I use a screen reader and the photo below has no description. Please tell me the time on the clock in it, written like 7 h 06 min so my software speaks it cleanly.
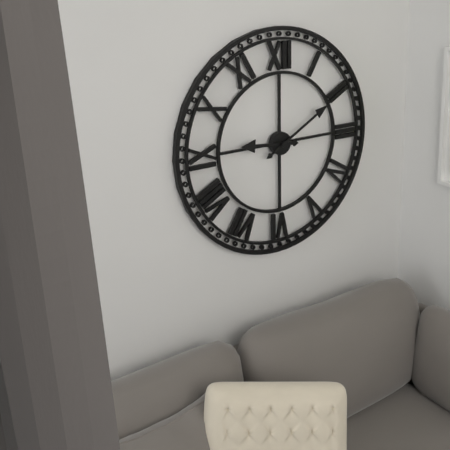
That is 9 h 10 min
